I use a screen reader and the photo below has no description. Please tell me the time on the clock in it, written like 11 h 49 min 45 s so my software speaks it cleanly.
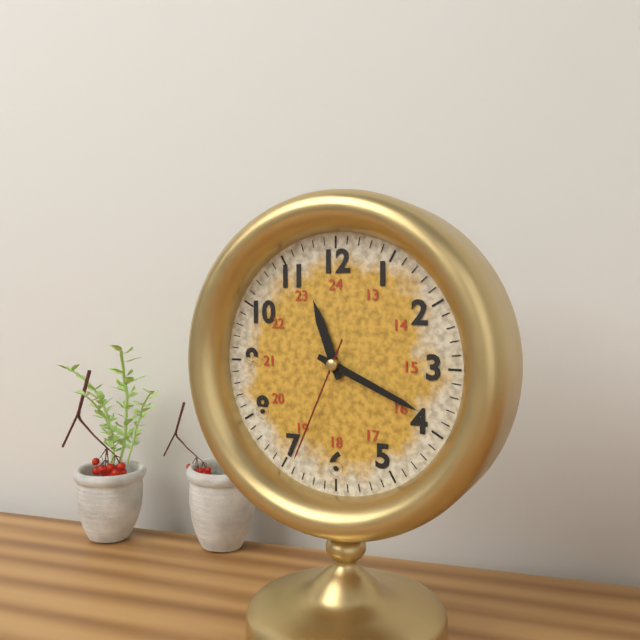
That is 11 h 19 min 34 s
